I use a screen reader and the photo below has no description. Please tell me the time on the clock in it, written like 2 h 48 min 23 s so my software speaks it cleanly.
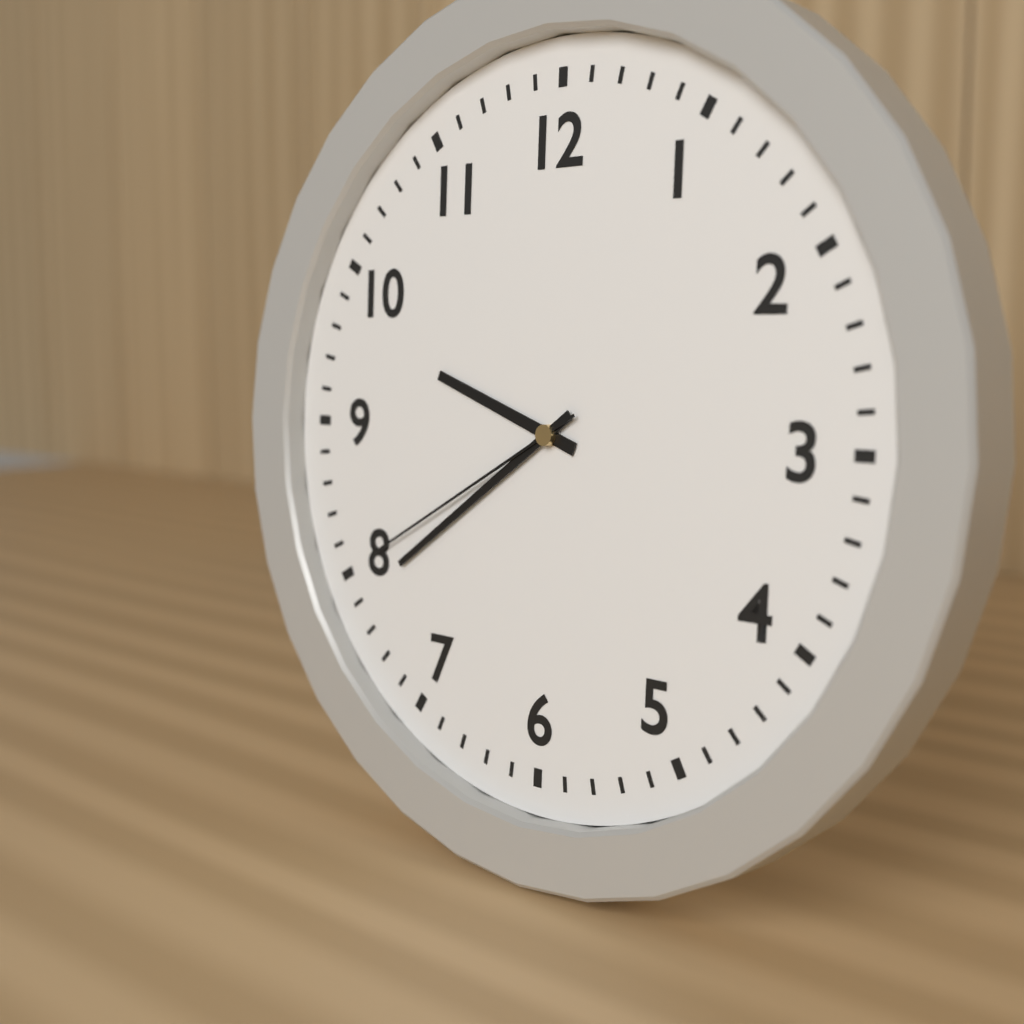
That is 9 h 39 min 40 s
